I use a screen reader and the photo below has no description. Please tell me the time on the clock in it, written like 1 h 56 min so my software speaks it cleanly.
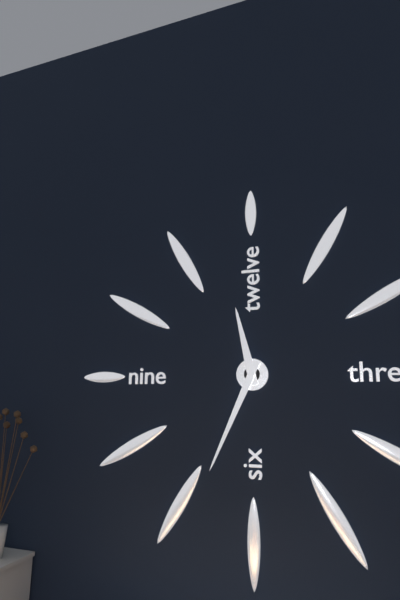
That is 11 h 34 min
